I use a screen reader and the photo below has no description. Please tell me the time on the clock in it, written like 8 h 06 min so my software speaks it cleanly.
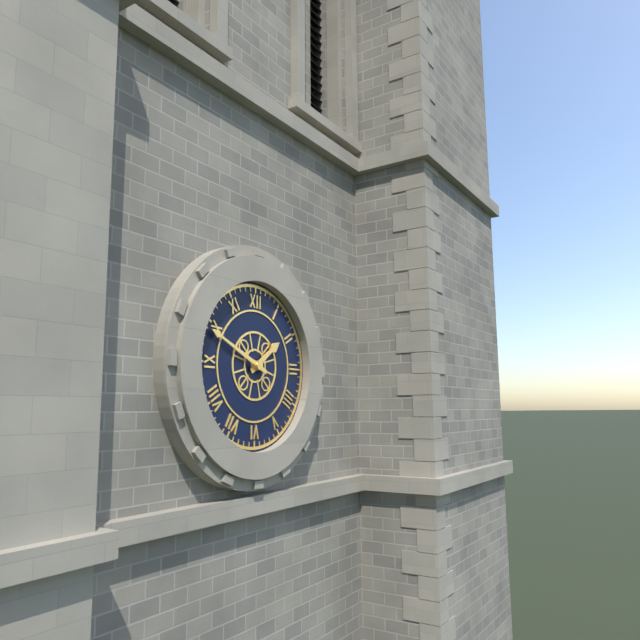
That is 1 h 49 min
